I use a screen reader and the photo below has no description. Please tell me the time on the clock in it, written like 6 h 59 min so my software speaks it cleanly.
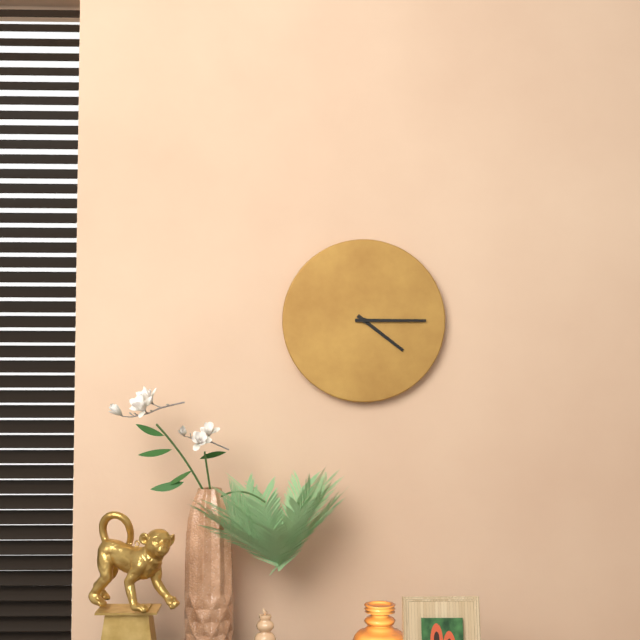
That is 4 h 15 min
